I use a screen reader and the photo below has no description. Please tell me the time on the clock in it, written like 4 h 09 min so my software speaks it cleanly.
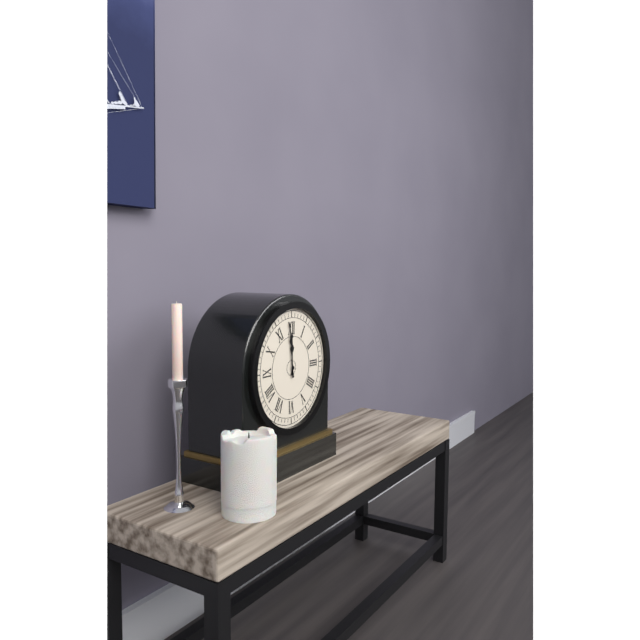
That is 11 h 59 min
